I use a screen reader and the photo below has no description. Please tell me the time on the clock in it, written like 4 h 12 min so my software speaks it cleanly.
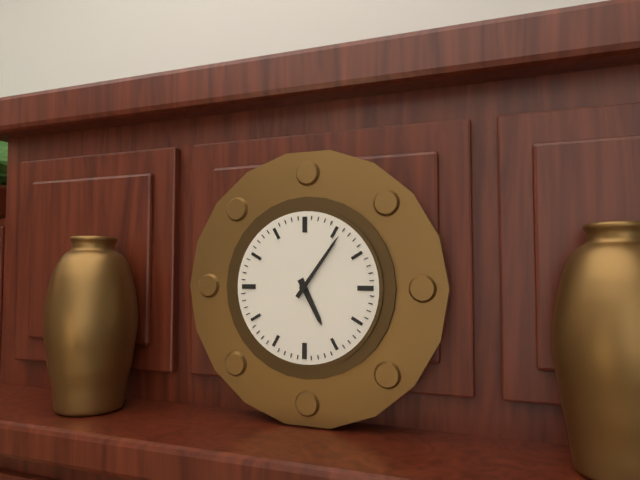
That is 5 h 06 min
